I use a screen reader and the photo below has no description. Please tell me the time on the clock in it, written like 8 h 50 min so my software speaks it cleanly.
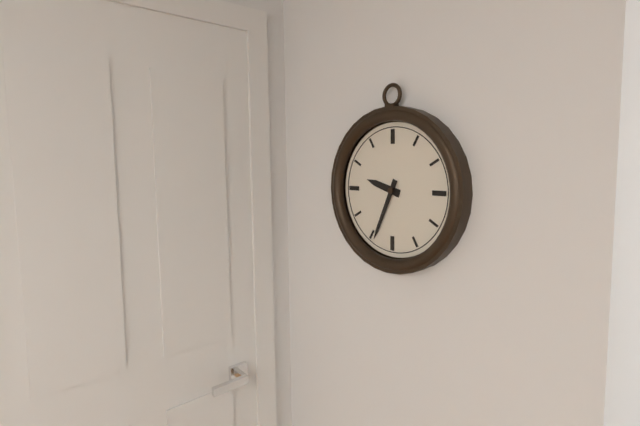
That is 9 h 34 min
